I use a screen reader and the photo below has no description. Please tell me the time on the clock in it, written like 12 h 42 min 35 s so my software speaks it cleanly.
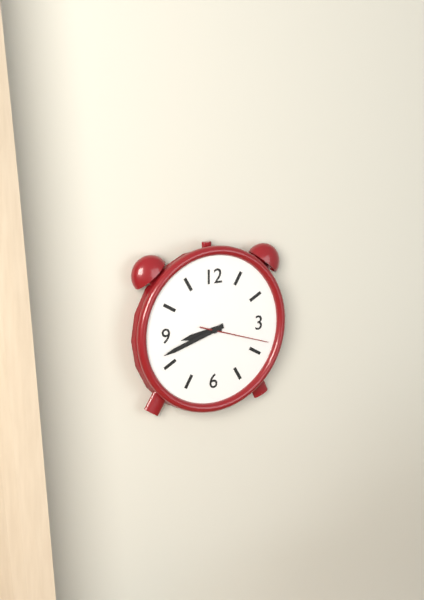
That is 8 h 42 min 18 s
